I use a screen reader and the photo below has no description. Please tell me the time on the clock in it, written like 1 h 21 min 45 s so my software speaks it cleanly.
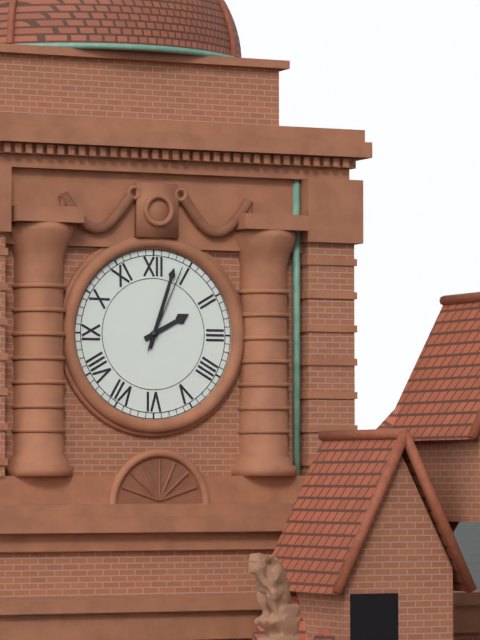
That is 2 h 03 min 04 s
